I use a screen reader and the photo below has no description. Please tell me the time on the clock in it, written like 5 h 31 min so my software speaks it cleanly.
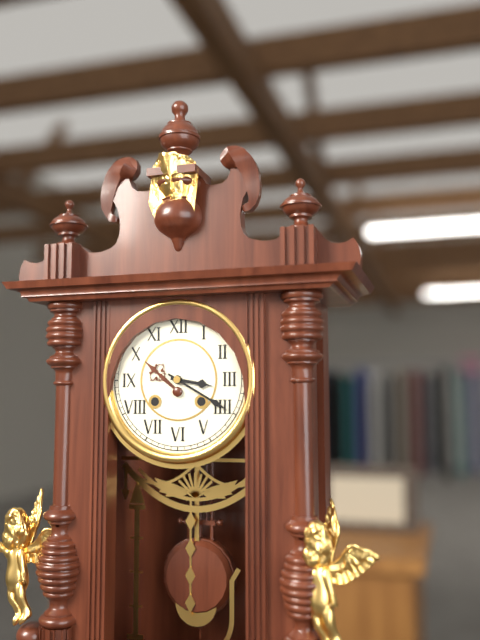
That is 3 h 20 min
